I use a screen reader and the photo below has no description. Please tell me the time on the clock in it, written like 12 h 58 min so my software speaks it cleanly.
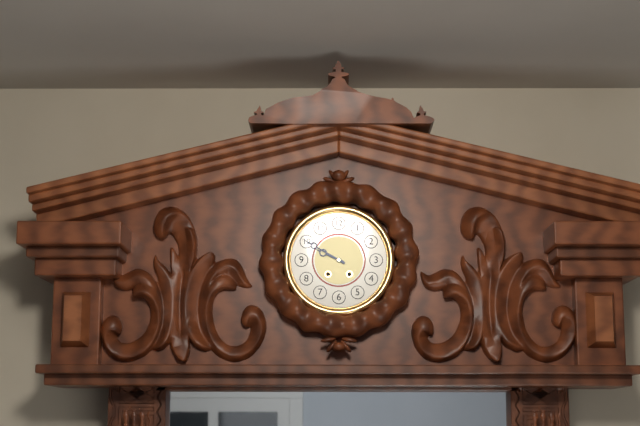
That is 9 h 50 min
